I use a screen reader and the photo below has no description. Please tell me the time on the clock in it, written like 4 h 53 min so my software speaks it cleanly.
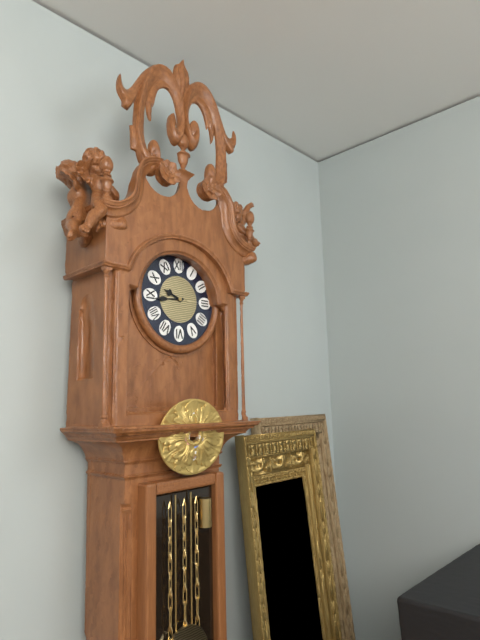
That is 9 h 44 min
